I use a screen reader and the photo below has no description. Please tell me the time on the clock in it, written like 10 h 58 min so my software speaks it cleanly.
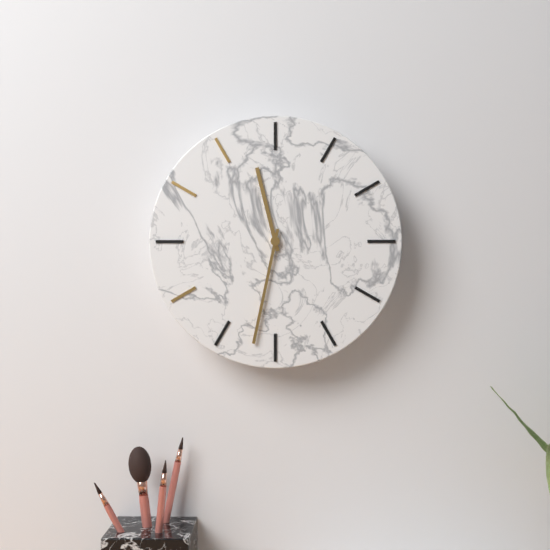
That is 11 h 32 min
